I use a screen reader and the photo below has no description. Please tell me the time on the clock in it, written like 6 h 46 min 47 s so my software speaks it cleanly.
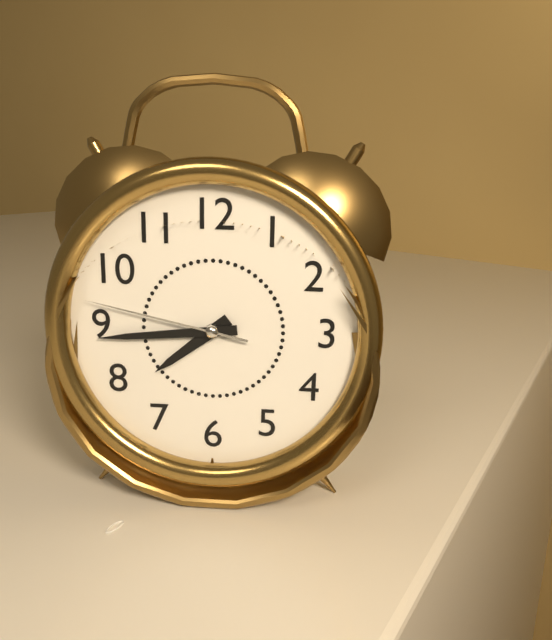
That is 7 h 44 min 47 s
